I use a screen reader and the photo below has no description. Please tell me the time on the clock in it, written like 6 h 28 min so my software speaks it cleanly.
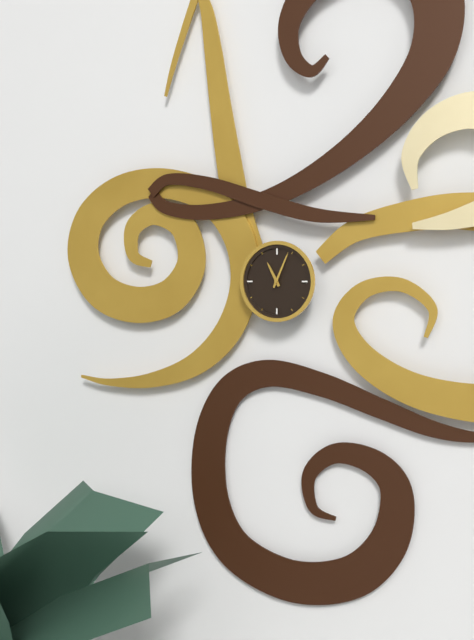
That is 11 h 04 min
